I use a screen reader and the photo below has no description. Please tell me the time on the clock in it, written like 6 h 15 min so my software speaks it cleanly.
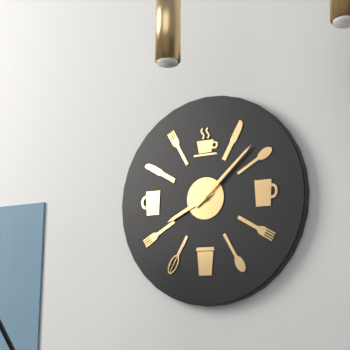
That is 8 h 08 min
